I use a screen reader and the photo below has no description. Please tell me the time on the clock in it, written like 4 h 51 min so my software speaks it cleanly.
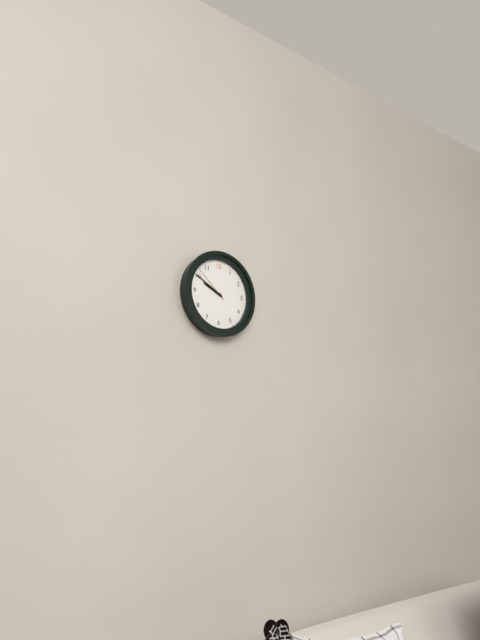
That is 9 h 50 min
